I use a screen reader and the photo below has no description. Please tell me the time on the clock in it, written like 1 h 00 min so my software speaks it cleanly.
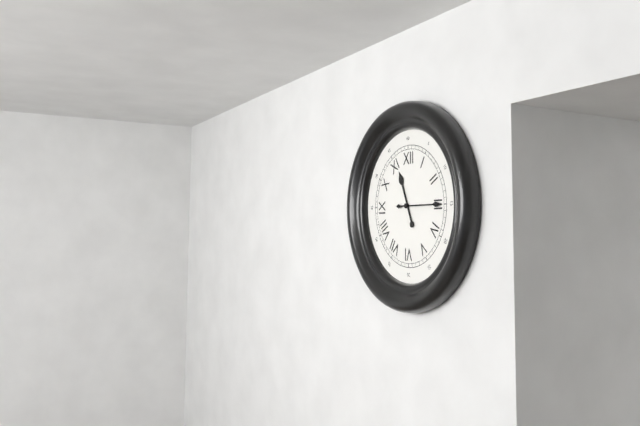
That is 11 h 15 min
